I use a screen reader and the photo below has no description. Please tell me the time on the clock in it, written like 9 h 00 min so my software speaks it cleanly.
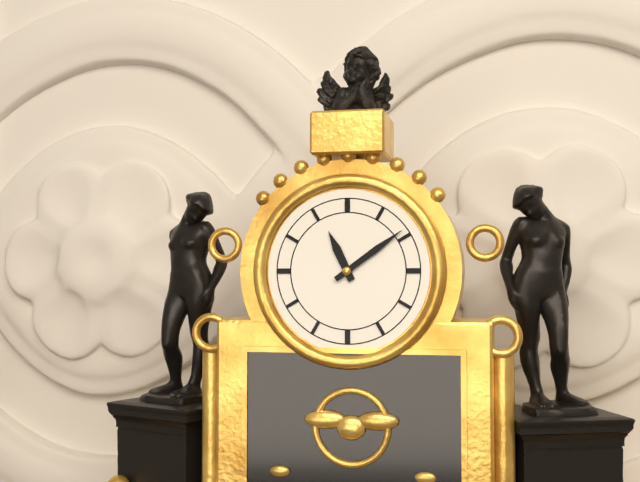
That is 11 h 09 min
